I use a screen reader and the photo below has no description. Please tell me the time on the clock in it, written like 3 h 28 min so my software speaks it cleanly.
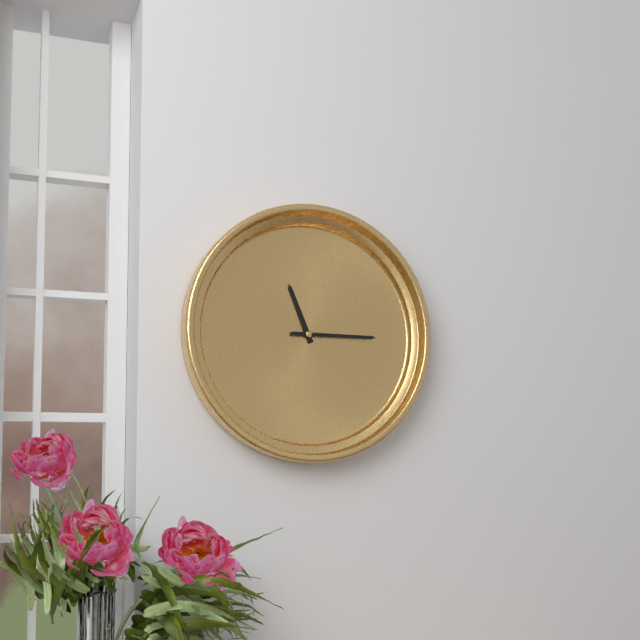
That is 11 h 15 min
